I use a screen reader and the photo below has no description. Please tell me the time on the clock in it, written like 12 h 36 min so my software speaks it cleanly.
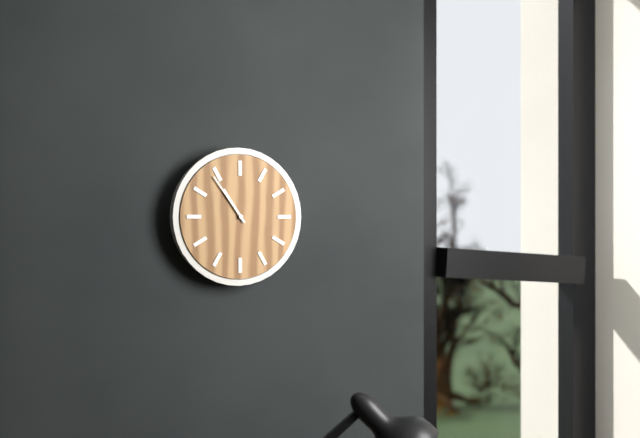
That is 10 h 54 min
